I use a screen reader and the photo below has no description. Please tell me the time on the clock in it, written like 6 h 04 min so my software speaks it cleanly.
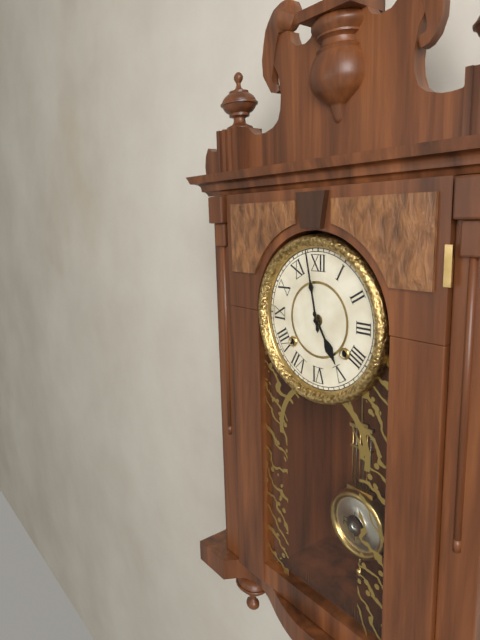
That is 4 h 58 min
